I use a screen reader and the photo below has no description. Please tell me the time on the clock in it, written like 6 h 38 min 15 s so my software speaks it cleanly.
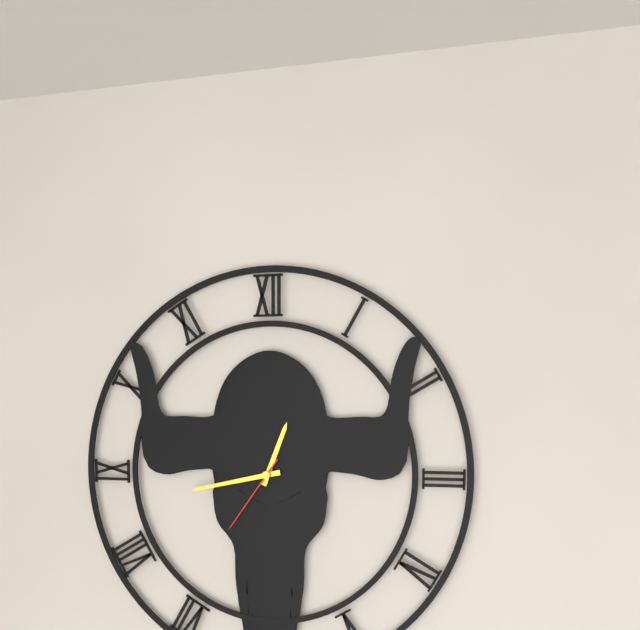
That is 12 h 43 min 36 s
